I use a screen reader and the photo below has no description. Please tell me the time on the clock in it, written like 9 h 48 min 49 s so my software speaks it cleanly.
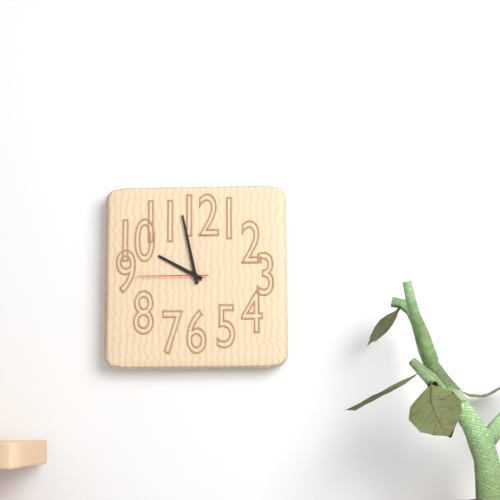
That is 9 h 58 min 45 s
